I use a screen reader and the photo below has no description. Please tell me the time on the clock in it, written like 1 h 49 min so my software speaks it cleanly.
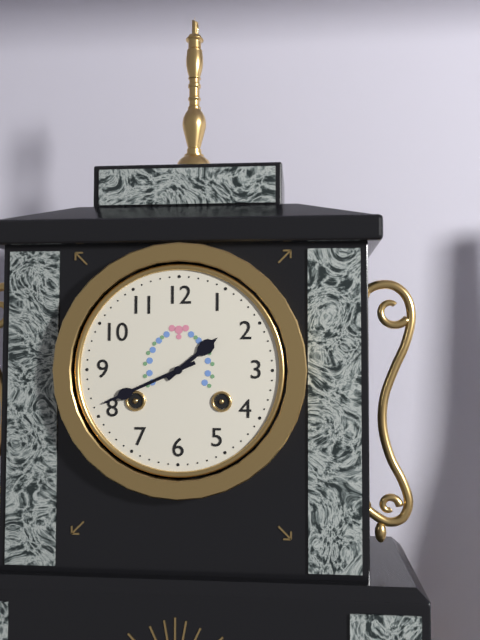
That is 1 h 41 min
